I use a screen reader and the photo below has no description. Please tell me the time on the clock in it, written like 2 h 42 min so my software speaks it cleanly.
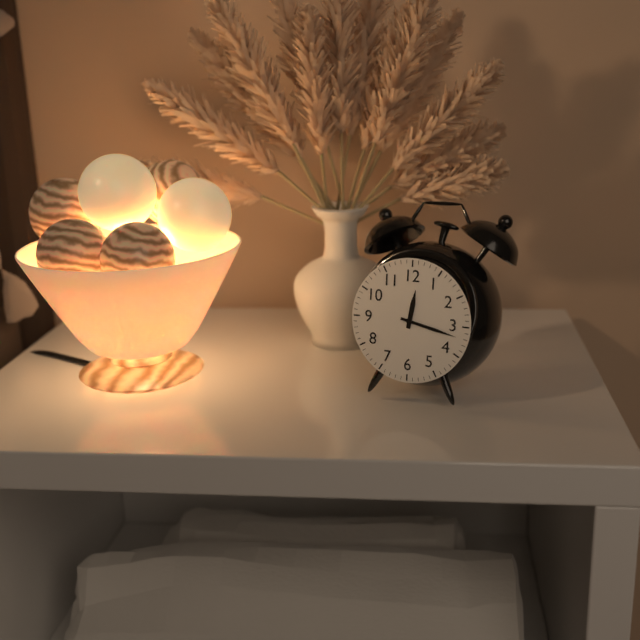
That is 12 h 17 min
